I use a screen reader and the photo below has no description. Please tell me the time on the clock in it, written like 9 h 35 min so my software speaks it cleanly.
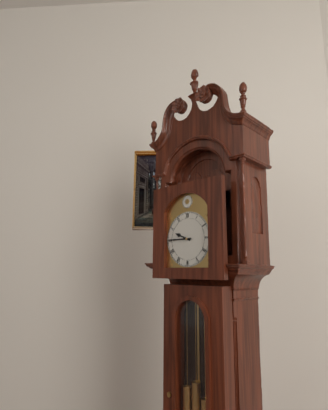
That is 9 h 45 min
